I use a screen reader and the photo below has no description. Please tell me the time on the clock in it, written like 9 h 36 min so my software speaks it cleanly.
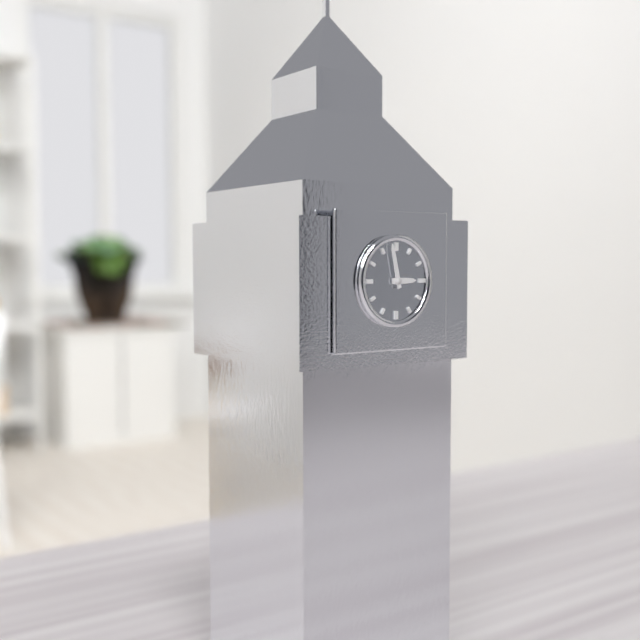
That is 2 h 58 min
